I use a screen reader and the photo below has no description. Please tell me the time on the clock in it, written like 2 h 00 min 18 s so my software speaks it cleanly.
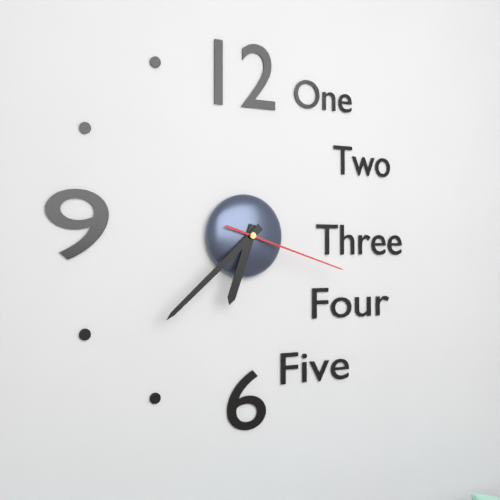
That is 6 h 38 min 18 s
